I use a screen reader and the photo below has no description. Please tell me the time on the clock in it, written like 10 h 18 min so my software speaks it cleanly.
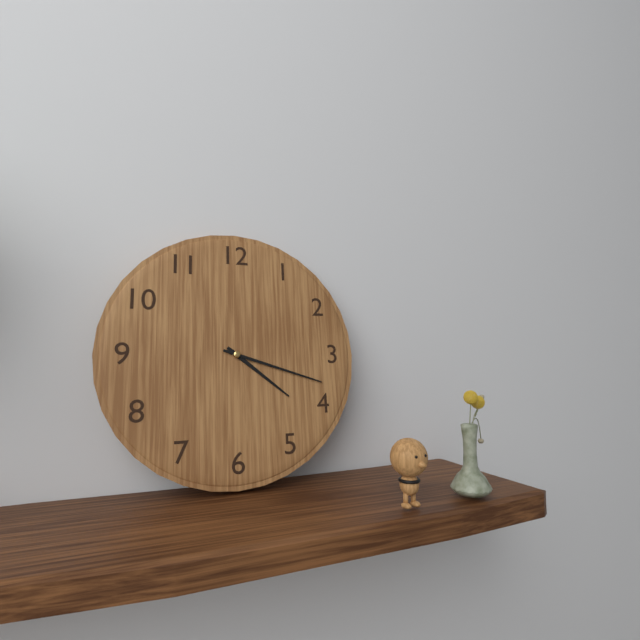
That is 4 h 18 min
